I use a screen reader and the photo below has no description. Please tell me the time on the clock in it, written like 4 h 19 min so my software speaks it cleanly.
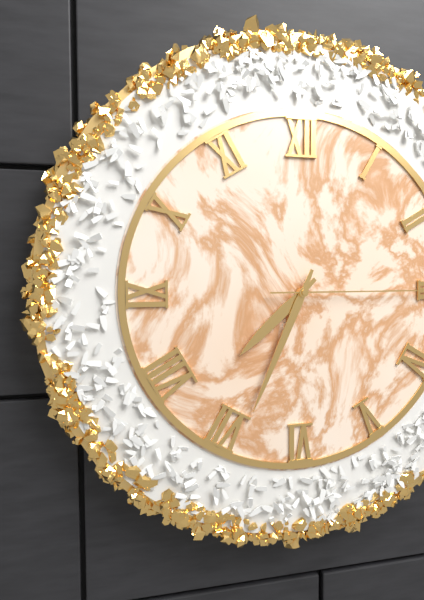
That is 7 h 34 min
